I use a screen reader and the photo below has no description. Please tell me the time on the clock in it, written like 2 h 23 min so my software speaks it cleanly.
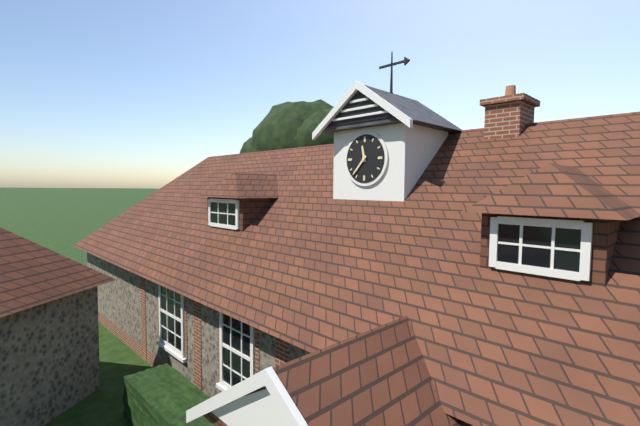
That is 11 h 37 min
